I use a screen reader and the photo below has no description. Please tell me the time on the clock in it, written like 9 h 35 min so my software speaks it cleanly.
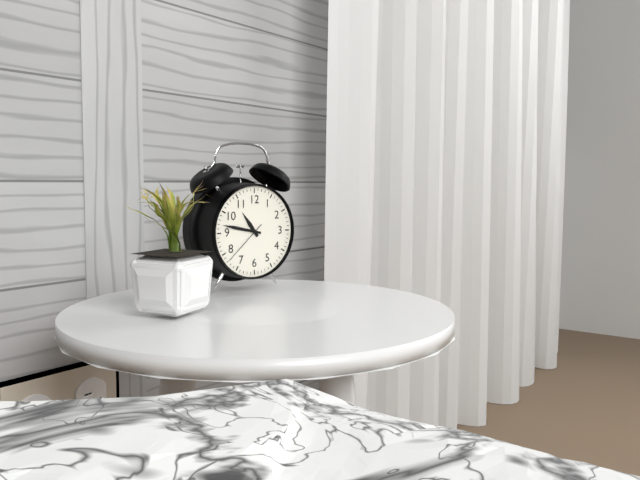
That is 10 h 47 min
